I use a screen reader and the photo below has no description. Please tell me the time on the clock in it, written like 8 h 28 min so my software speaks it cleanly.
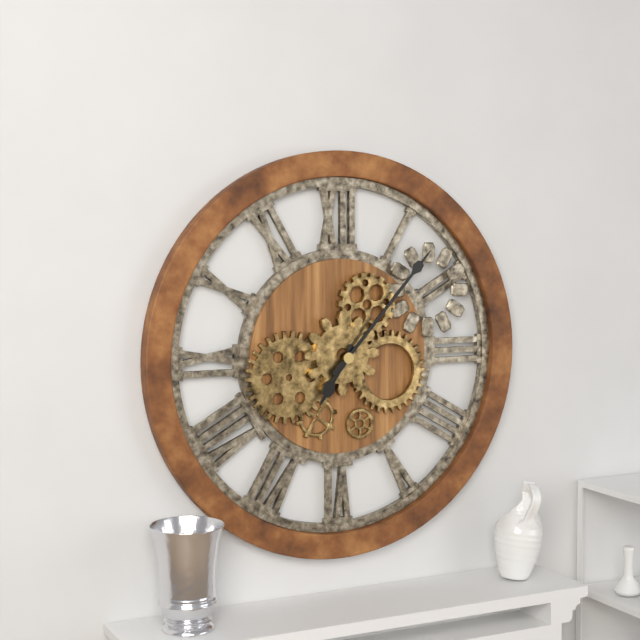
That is 7 h 07 min
